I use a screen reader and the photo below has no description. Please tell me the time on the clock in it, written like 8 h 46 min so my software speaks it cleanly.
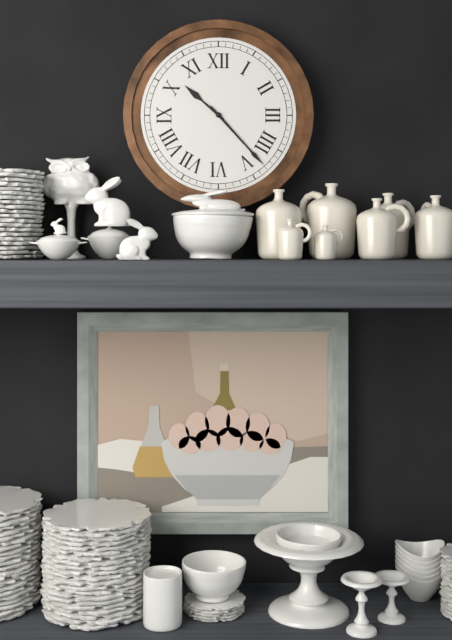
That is 10 h 23 min
